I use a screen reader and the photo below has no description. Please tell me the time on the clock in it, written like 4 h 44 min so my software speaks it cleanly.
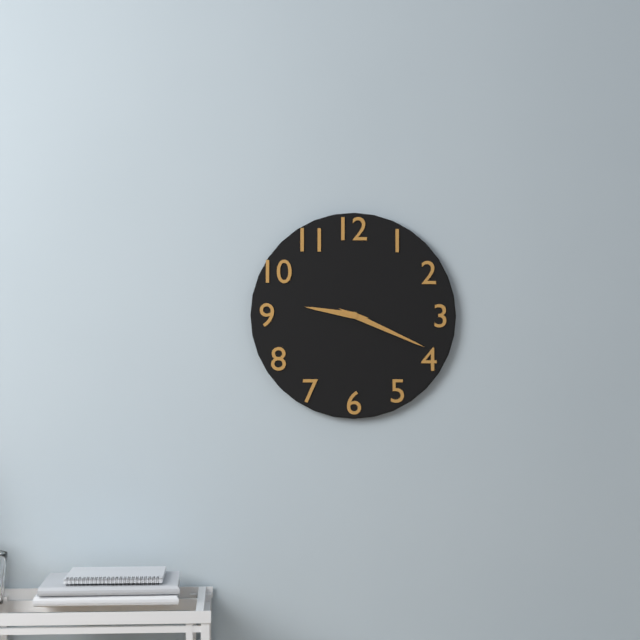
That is 9 h 19 min
